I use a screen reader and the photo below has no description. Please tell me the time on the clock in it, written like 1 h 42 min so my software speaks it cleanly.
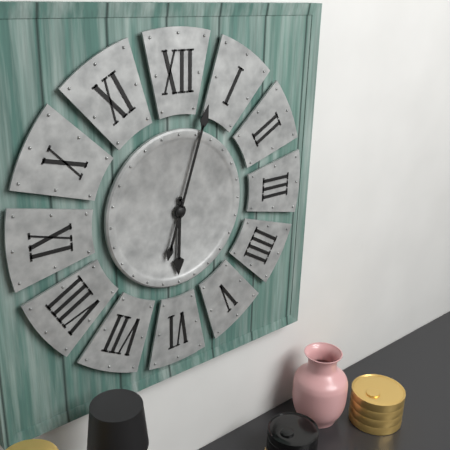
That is 6 h 03 min
